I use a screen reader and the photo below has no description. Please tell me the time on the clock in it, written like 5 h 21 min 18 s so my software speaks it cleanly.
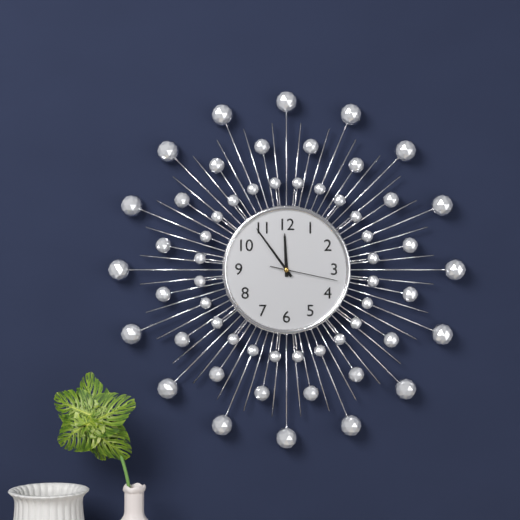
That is 11 h 54 min 17 s
